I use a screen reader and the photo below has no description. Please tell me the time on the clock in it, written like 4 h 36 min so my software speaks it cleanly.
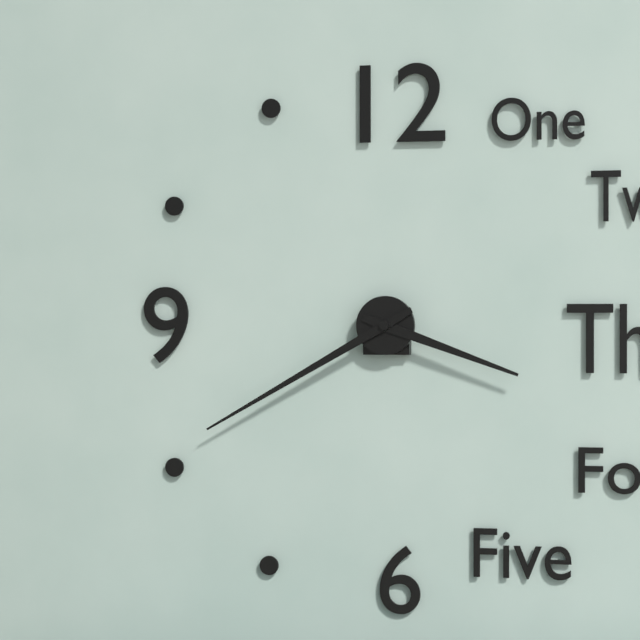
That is 3 h 40 min
